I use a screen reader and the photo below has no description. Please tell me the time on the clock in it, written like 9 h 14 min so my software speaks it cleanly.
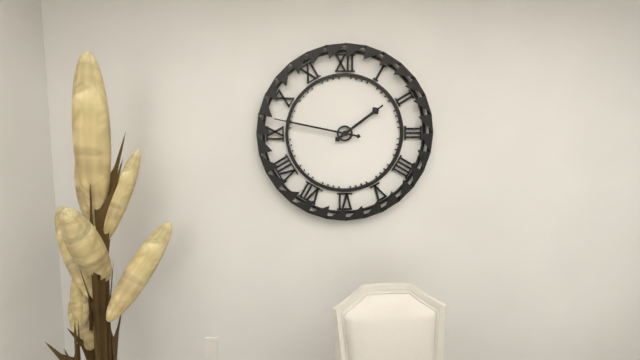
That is 1 h 47 min
